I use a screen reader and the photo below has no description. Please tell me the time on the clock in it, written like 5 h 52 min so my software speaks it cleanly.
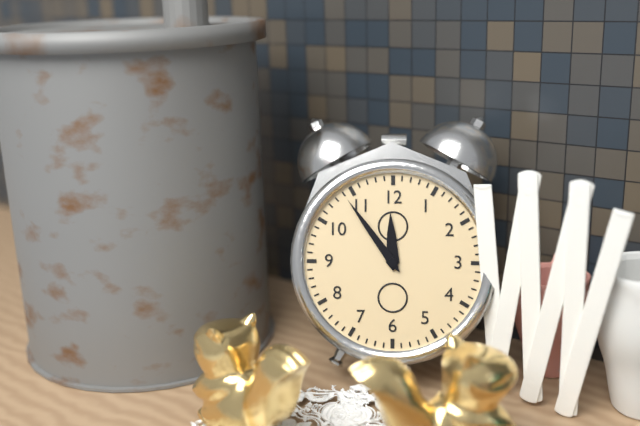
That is 11 h 54 min
